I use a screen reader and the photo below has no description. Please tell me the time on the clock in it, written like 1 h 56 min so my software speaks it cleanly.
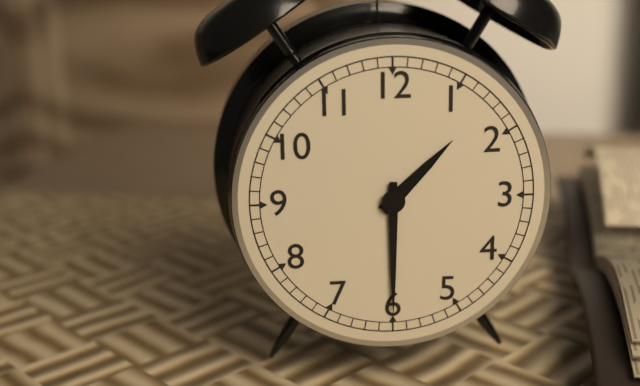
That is 1 h 30 min
